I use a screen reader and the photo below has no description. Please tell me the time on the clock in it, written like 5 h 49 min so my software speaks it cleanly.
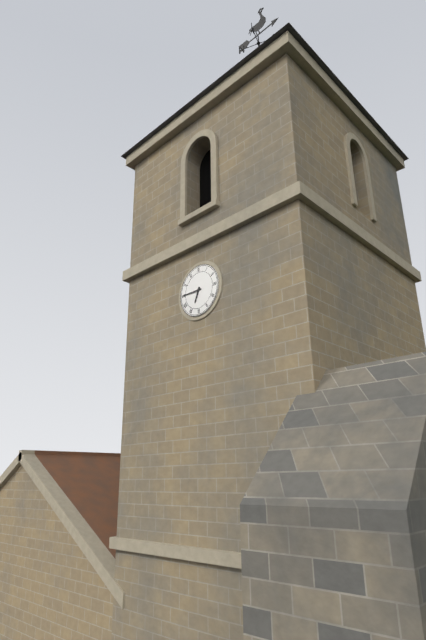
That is 6 h 45 min
